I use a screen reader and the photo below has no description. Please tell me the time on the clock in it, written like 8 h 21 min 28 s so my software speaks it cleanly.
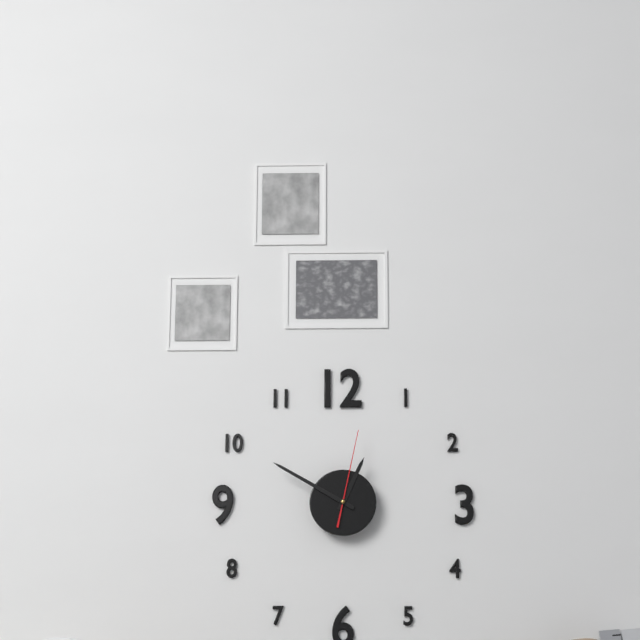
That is 12 h 50 min 02 s
